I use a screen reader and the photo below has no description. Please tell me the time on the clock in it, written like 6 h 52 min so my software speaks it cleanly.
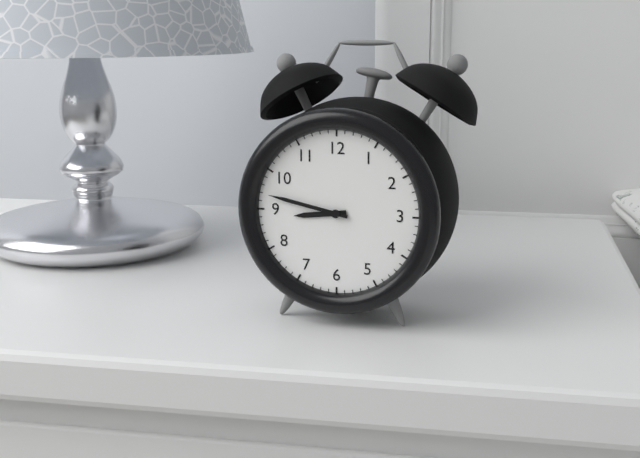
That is 8 h 47 min
